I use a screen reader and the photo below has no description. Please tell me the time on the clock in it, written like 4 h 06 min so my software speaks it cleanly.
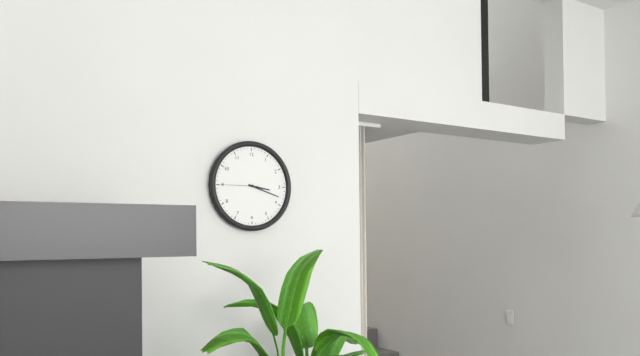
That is 3 h 18 min
